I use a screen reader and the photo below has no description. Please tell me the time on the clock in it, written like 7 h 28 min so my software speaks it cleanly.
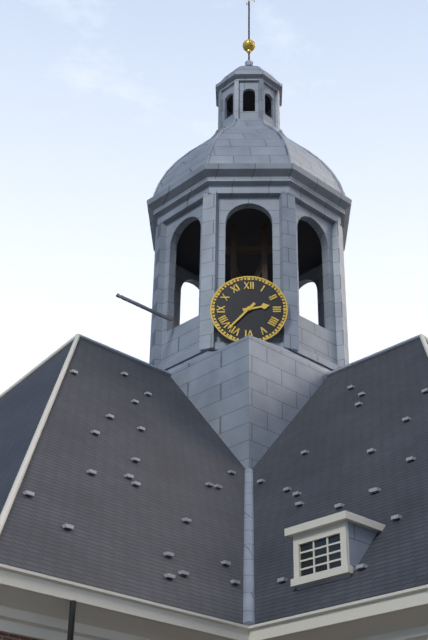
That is 2 h 37 min
